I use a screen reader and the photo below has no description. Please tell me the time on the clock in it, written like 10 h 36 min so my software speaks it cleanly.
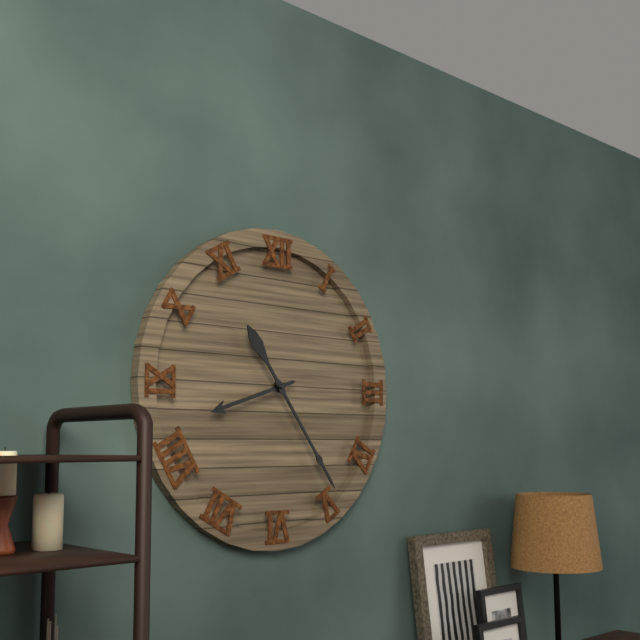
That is 8 h 24 min
